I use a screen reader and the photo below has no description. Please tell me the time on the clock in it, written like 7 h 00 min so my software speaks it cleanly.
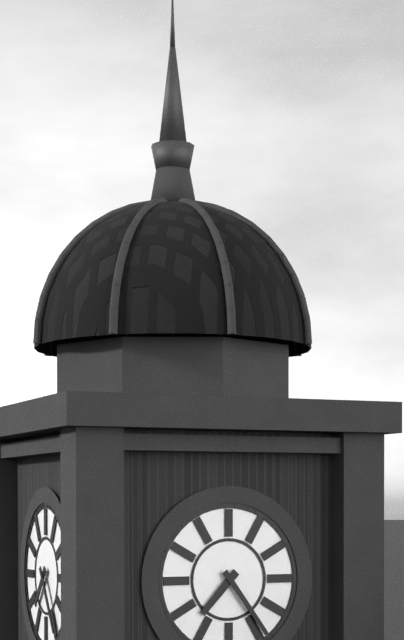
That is 7 h 24 min
